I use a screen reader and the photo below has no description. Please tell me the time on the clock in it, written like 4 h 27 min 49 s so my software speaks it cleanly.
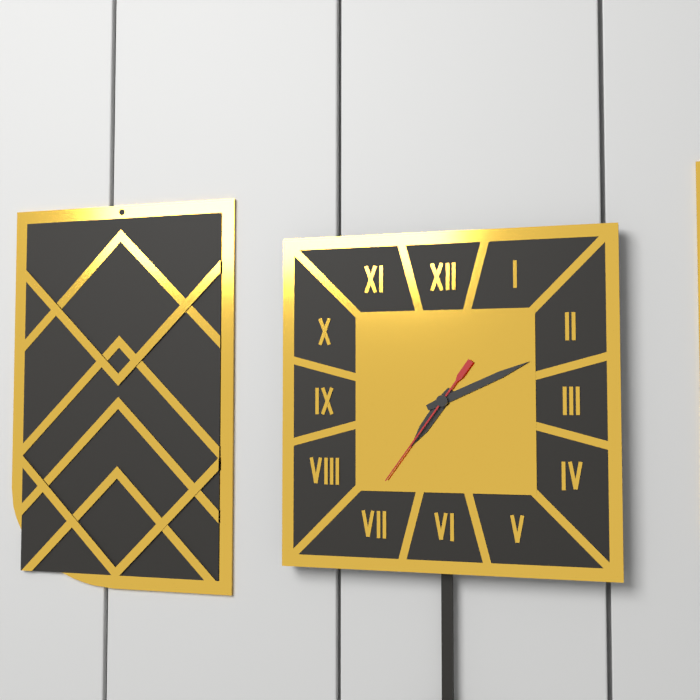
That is 7 h 11 min 36 s
